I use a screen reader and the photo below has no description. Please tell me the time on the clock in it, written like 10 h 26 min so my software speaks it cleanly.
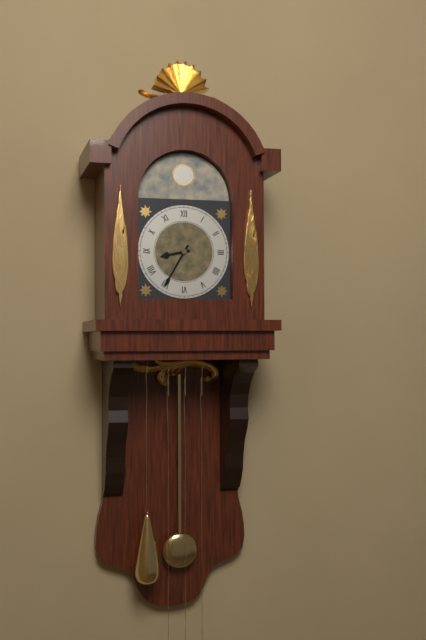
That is 8 h 35 min
